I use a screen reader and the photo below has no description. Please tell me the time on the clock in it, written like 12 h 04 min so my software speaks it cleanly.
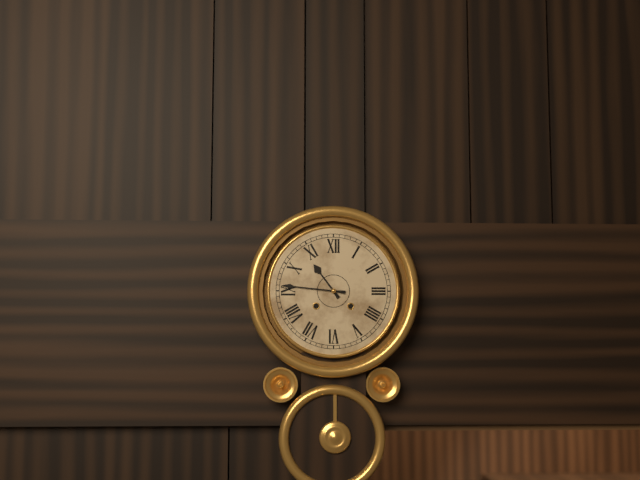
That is 10 h 46 min
